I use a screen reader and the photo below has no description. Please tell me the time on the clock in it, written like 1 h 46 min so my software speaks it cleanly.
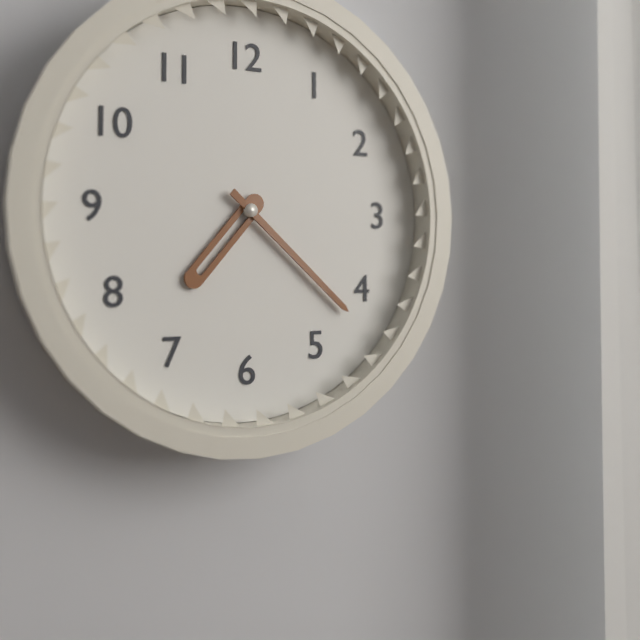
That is 7 h 22 min
